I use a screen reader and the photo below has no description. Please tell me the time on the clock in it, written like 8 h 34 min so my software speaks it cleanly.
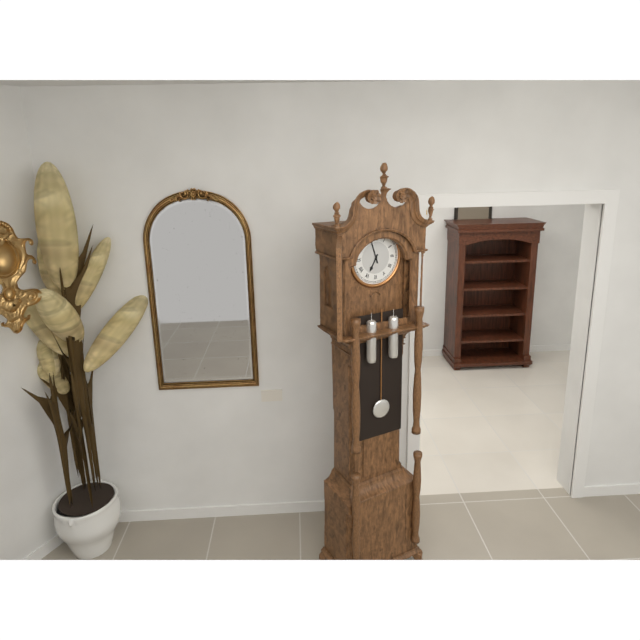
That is 6 h 57 min
